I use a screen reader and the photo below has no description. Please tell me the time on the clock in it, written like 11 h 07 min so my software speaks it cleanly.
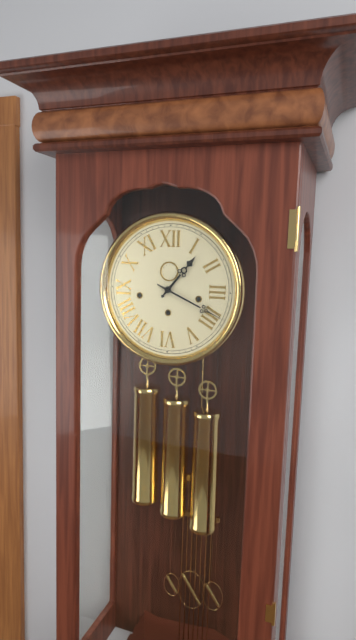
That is 1 h 19 min
